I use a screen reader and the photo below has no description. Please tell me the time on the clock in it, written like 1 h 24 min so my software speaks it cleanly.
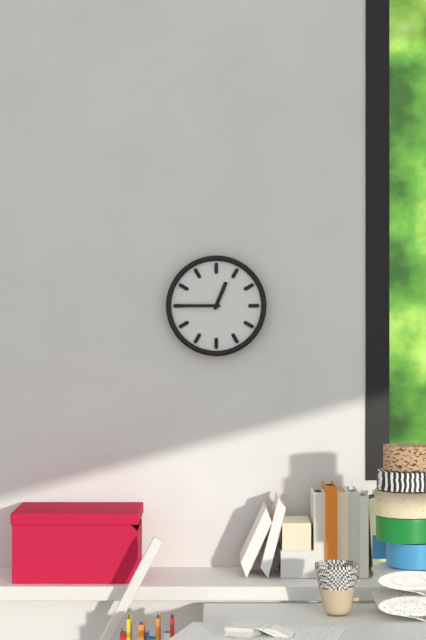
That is 12 h 45 min
